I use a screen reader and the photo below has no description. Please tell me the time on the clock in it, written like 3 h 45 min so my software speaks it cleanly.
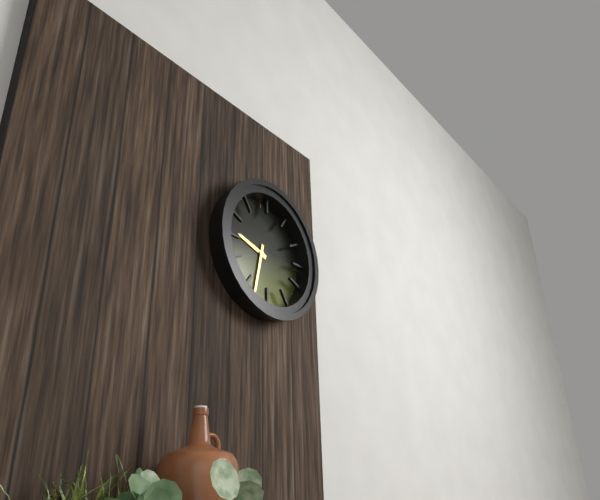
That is 9 h 32 min
